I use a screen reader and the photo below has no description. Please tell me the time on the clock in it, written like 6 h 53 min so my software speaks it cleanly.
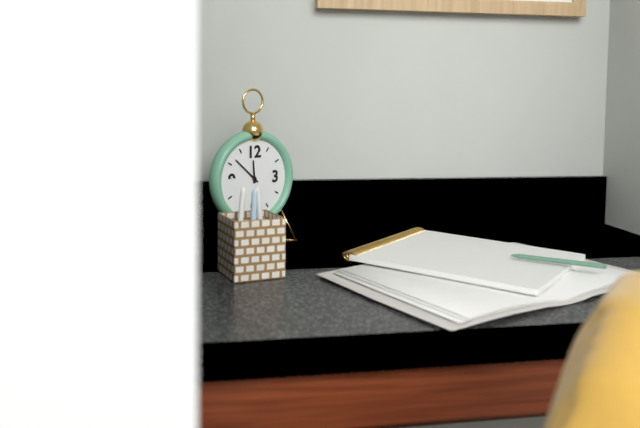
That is 11 h 52 min
